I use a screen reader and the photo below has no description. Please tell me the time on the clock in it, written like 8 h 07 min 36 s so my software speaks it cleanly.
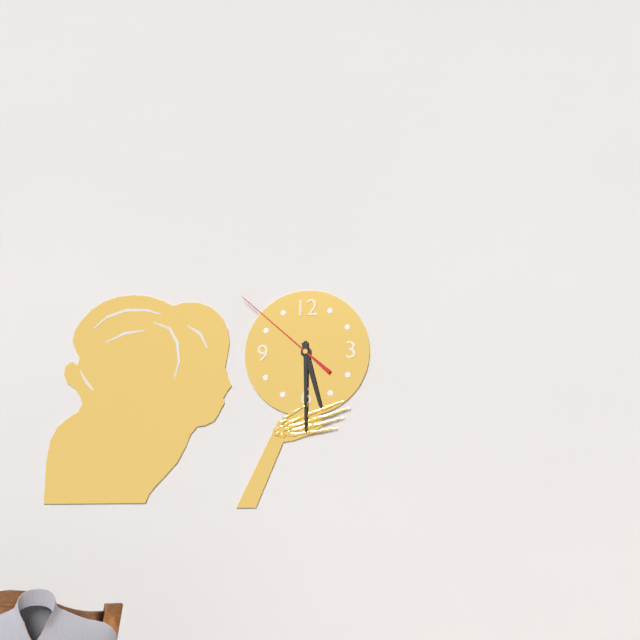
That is 5 h 30 min 52 s
